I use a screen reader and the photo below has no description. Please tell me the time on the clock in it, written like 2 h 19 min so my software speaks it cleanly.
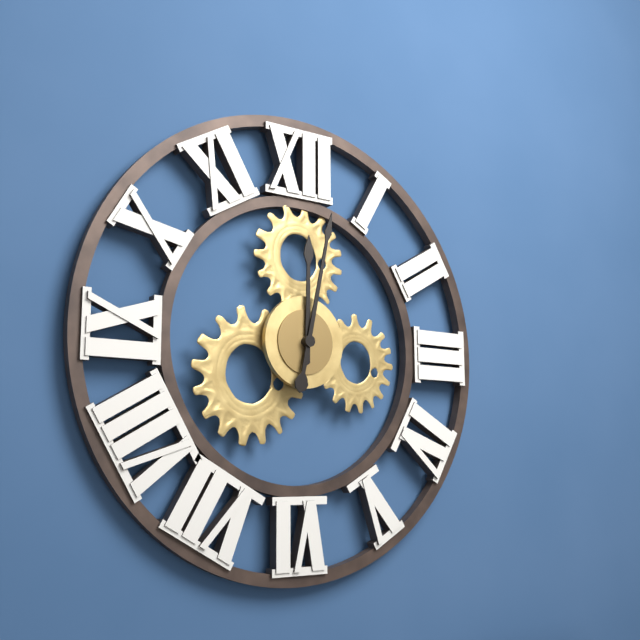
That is 12 h 02 min
